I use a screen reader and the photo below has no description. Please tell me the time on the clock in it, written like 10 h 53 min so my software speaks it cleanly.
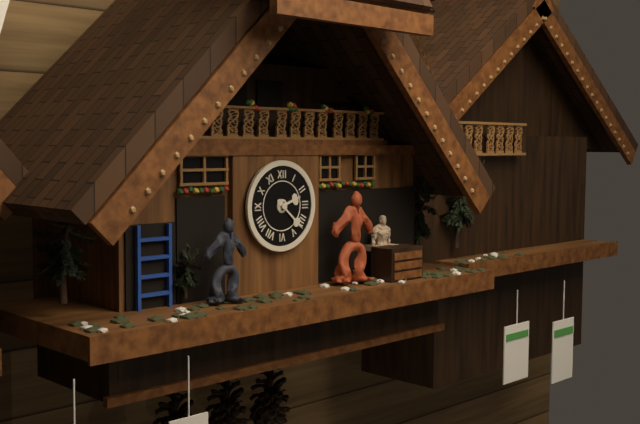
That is 2 h 22 min
